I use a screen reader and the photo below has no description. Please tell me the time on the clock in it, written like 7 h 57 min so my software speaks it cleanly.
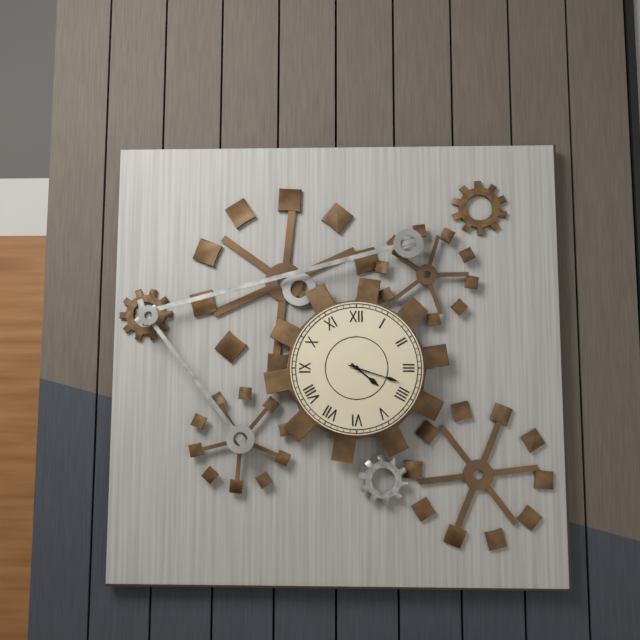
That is 4 h 18 min
